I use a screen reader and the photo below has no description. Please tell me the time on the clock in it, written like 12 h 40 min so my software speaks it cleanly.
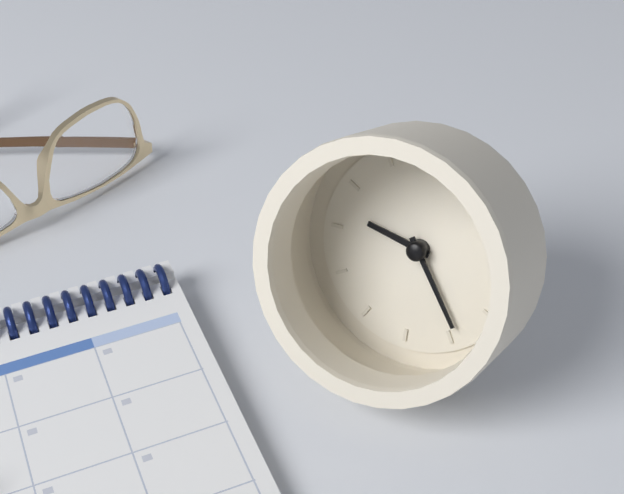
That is 9 h 24 min
